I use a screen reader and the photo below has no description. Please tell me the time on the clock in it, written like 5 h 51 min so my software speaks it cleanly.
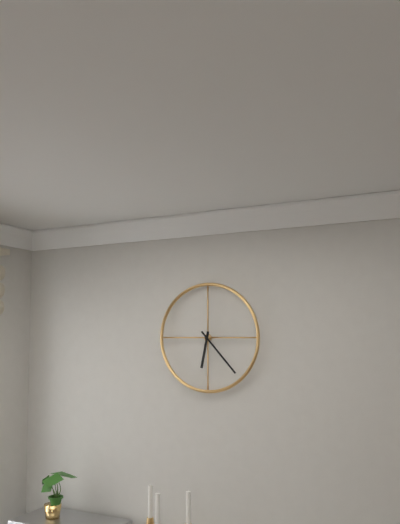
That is 6 h 23 min
